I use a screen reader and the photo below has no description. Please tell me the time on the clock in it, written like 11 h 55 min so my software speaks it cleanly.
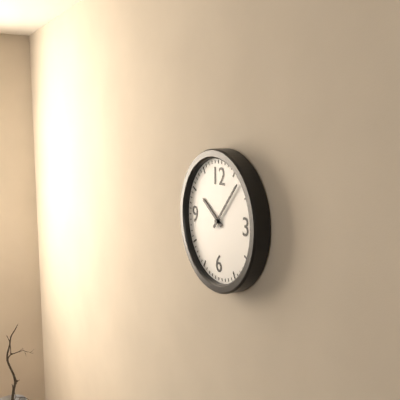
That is 10 h 07 min
